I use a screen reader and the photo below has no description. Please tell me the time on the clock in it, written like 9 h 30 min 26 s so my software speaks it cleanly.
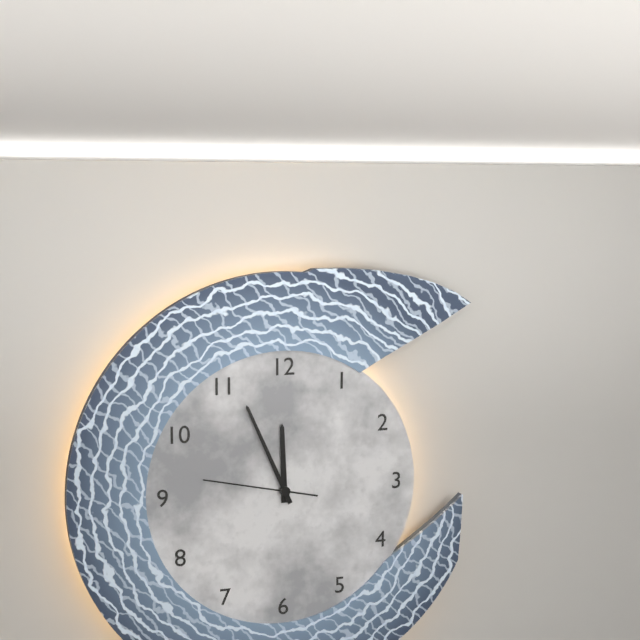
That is 11 h 56 min 47 s
